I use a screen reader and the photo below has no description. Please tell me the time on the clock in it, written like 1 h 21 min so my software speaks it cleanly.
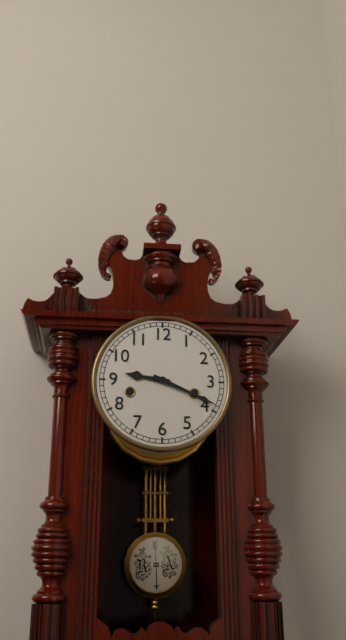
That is 9 h 19 min
